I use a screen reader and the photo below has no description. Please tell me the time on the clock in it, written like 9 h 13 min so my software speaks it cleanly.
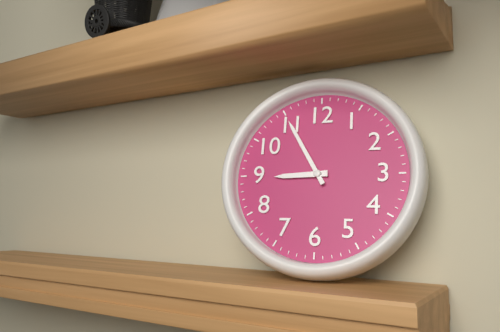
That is 8 h 55 min
